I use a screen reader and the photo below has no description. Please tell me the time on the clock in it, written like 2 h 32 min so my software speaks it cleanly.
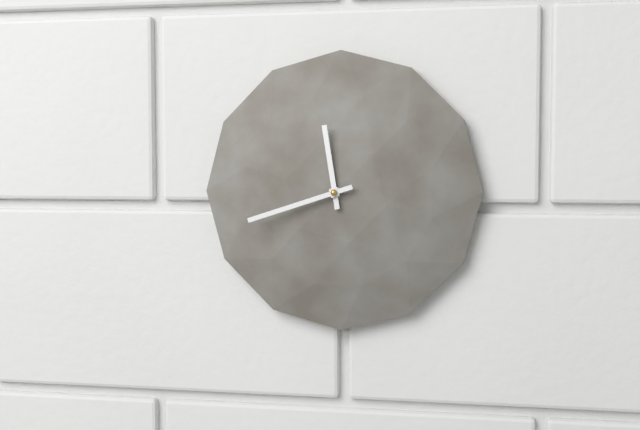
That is 11 h 42 min
